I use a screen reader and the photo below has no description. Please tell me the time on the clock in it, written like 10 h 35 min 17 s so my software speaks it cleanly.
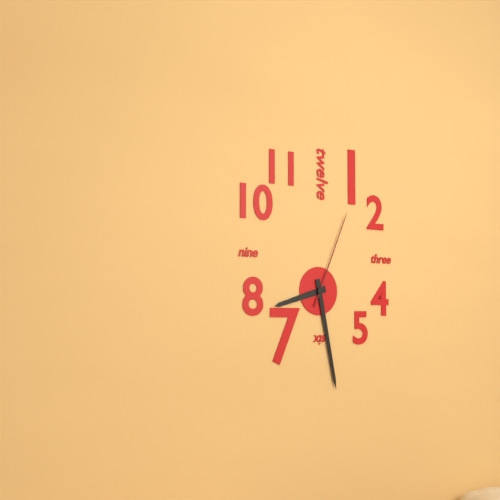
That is 8 h 28 min 04 s
